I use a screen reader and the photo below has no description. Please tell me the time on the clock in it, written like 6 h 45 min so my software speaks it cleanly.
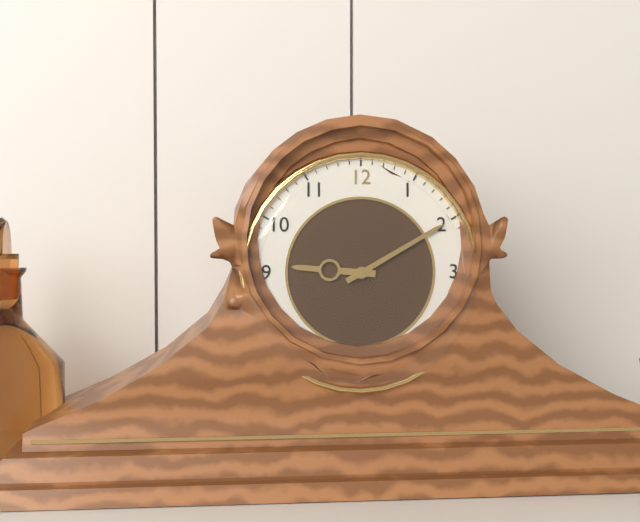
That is 9 h 10 min
